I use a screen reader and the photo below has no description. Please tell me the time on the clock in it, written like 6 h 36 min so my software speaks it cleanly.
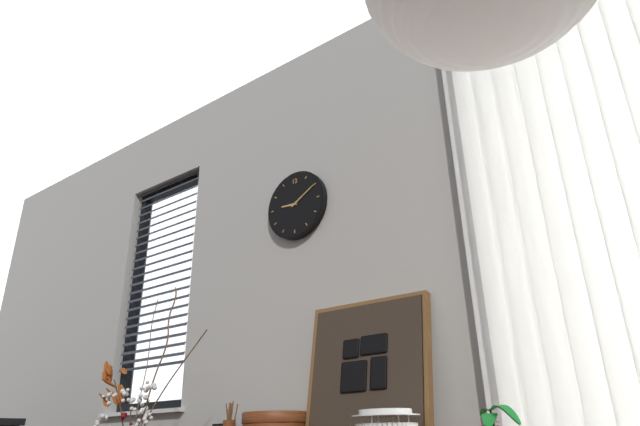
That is 9 h 10 min
